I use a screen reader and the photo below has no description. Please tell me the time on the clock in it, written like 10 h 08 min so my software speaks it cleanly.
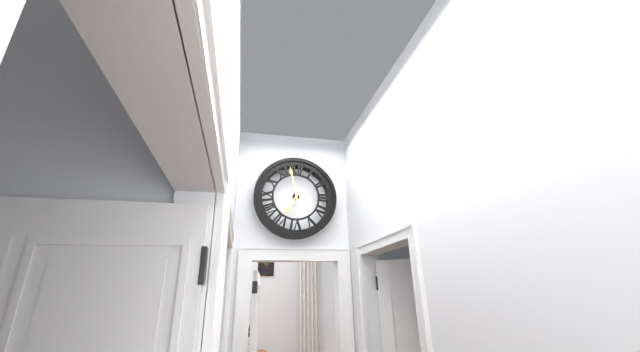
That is 6 h 58 min
